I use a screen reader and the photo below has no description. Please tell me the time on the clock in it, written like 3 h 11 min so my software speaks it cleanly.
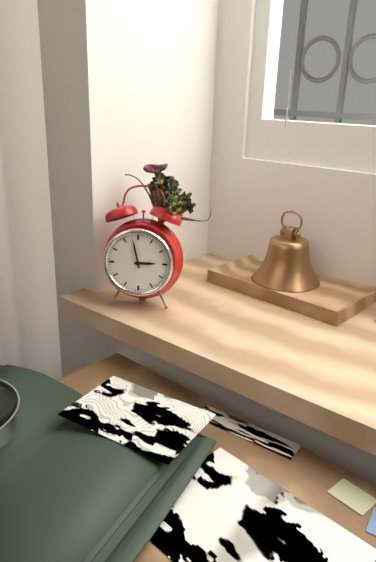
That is 2 h 58 min
